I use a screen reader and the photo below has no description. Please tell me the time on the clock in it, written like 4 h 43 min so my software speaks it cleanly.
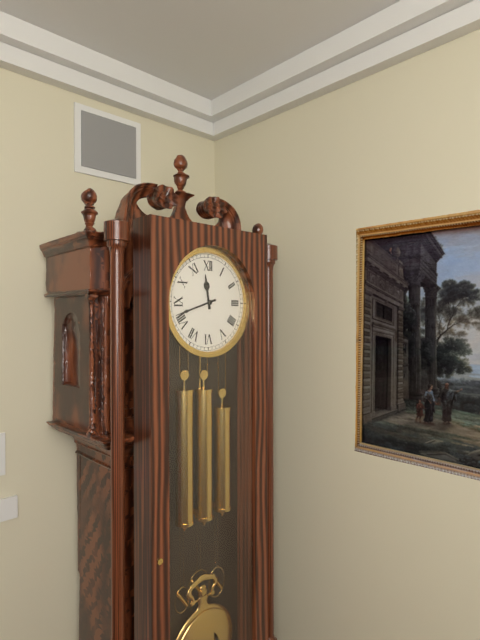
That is 11 h 42 min
